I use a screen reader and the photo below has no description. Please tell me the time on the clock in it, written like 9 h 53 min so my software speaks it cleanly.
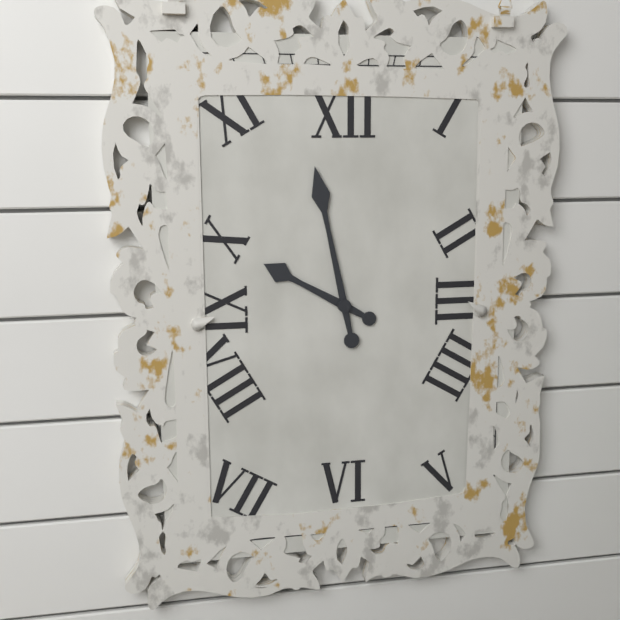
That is 9 h 58 min
